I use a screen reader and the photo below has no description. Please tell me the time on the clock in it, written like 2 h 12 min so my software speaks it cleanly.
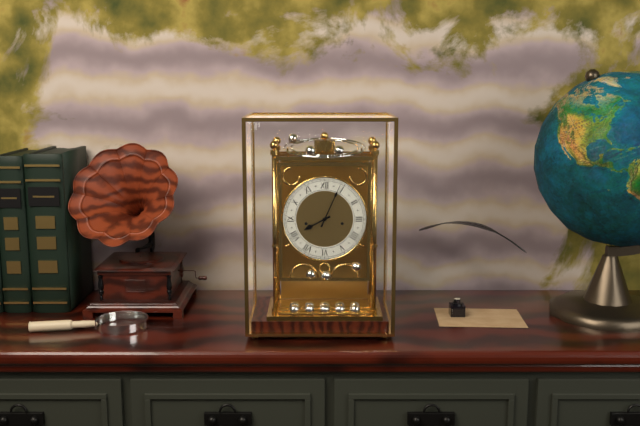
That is 8 h 04 min
